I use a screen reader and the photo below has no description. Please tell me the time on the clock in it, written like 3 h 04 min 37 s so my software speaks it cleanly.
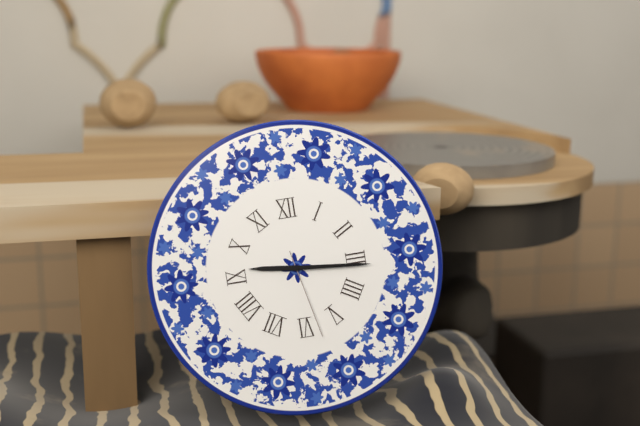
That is 9 h 16 min 28 s
